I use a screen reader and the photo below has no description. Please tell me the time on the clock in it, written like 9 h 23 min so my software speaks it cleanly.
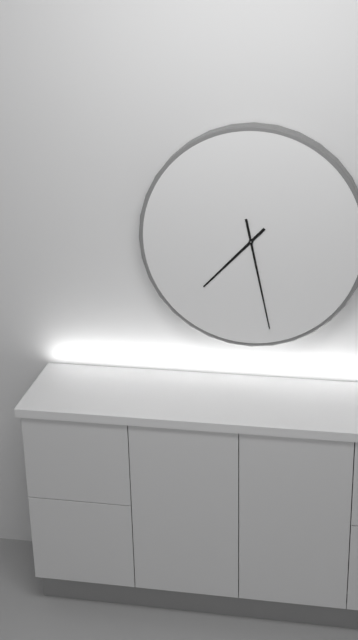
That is 7 h 28 min
